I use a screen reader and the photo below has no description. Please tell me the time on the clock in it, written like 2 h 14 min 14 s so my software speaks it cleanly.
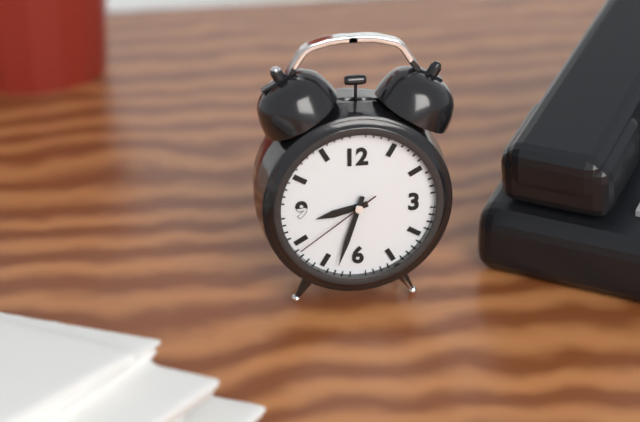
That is 8 h 33 min 39 s
